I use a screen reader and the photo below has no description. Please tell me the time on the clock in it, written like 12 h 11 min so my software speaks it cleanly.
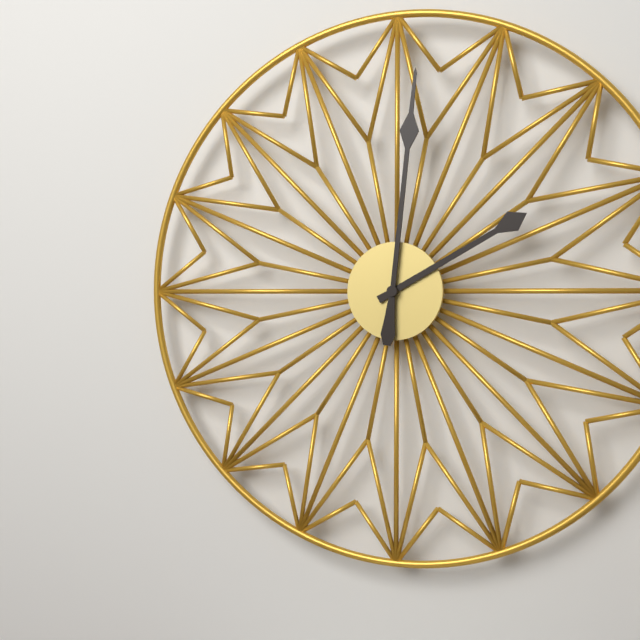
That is 2 h 01 min
